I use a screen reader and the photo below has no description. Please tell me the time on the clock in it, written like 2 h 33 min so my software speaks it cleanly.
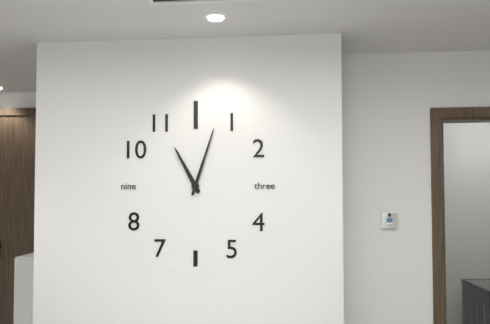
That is 11 h 03 min
